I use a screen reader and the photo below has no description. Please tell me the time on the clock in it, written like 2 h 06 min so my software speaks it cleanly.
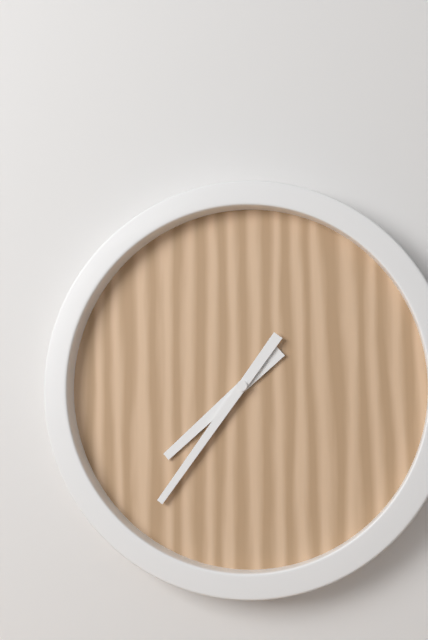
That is 7 h 36 min
